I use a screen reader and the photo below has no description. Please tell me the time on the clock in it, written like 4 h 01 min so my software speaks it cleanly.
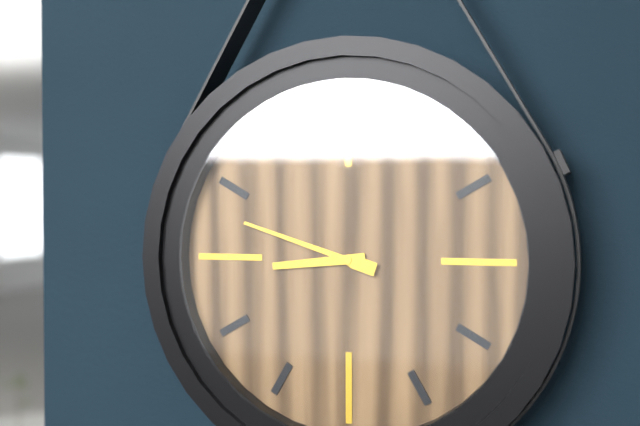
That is 8 h 48 min
